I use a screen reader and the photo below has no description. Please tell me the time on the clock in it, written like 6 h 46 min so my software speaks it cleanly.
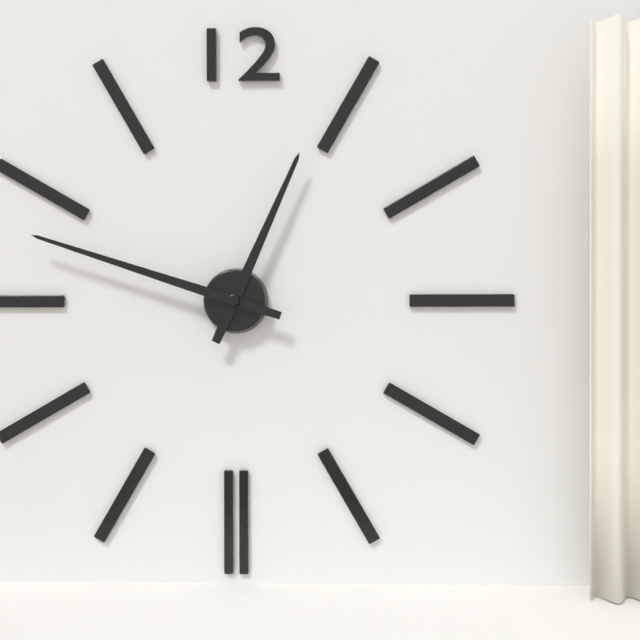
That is 12 h 48 min
